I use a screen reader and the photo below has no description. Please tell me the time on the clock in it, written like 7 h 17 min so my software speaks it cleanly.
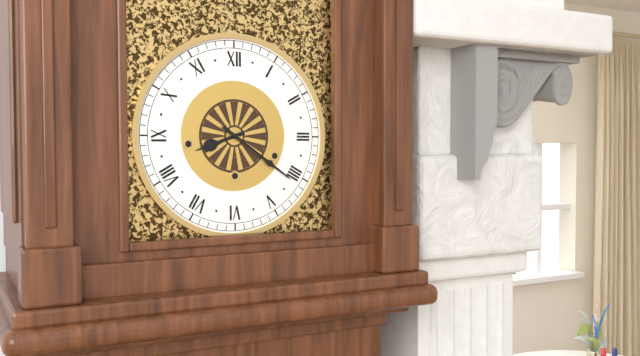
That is 8 h 21 min
